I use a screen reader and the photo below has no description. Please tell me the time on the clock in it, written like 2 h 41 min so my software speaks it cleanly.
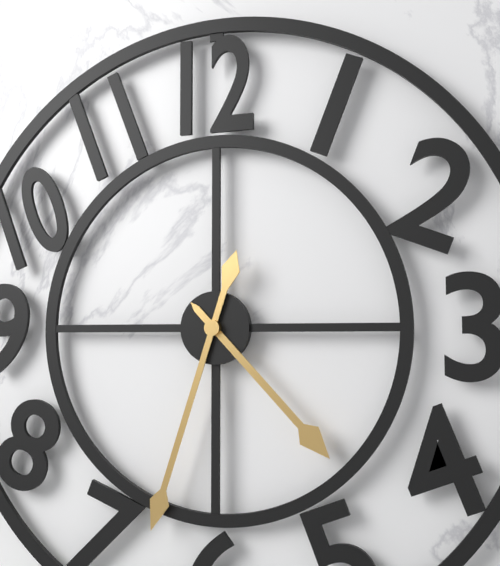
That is 4 h 33 min
